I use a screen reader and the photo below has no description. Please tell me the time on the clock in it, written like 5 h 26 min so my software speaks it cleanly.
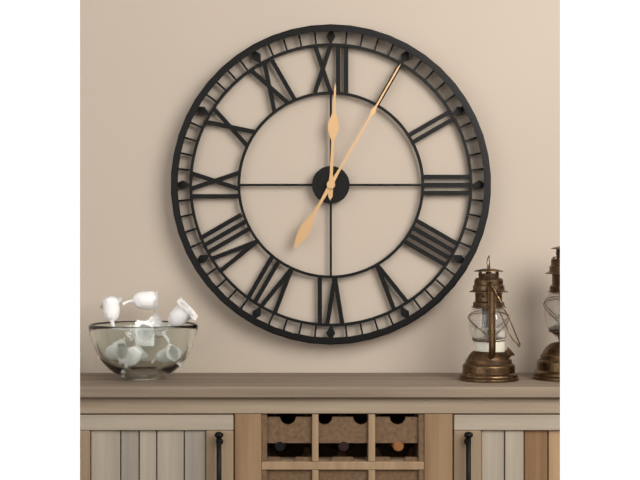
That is 12 h 05 min
